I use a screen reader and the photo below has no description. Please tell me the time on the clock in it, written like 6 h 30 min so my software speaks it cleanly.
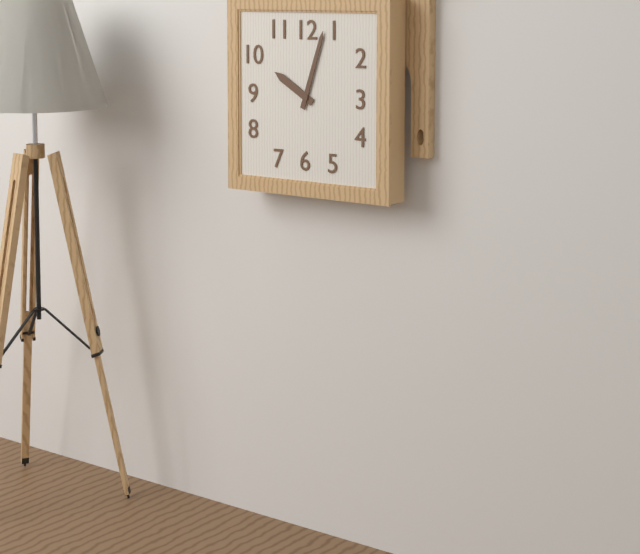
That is 10 h 03 min
